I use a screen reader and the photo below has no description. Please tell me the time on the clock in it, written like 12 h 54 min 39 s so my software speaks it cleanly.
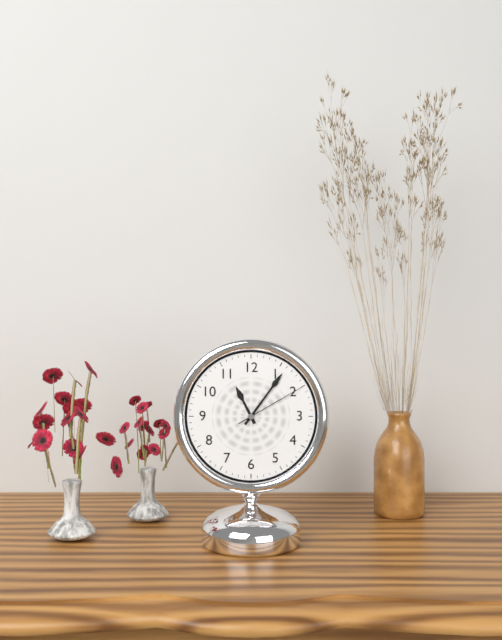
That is 11 h 06 min 10 s
